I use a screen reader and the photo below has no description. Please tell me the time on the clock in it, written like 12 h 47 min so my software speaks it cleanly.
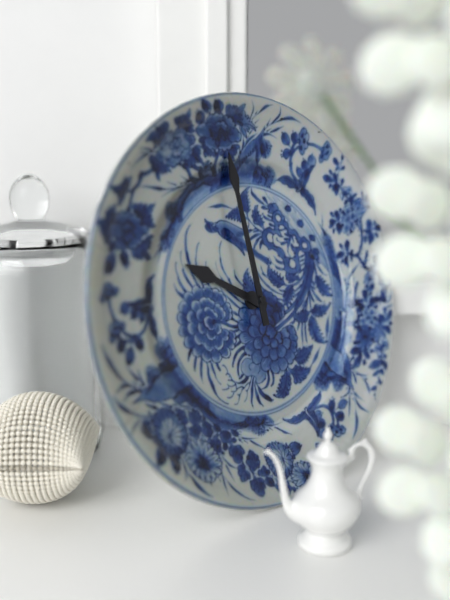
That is 9 h 59 min
